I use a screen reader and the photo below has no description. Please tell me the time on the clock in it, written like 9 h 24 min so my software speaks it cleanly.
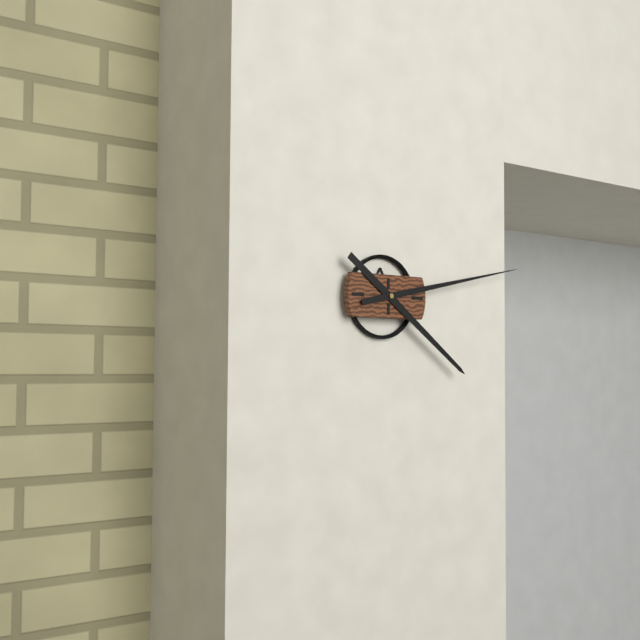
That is 4 h 13 min
